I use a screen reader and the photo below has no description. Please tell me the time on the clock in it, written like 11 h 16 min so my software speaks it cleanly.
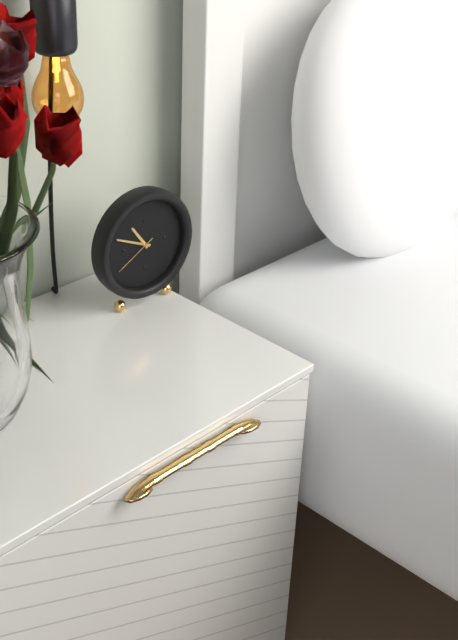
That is 10 h 49 min
